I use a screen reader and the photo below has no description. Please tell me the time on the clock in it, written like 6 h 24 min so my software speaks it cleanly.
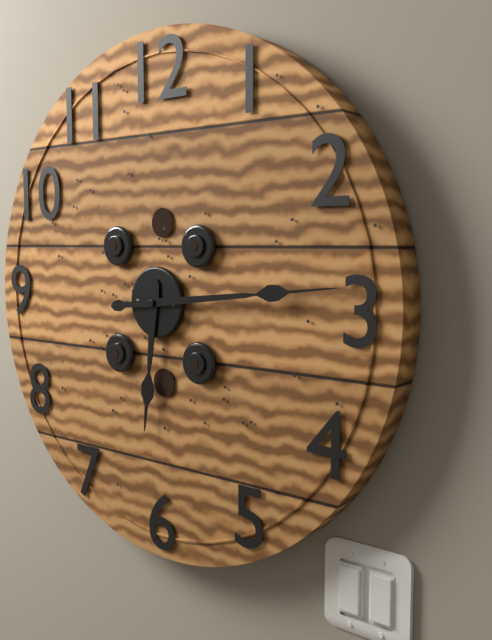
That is 6 h 14 min
